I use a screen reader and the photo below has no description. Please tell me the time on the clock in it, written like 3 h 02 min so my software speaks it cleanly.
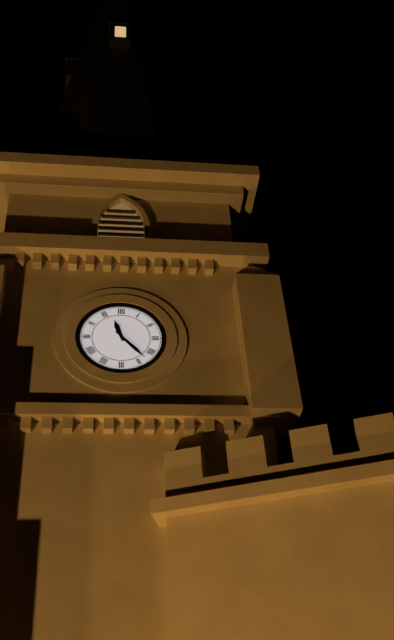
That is 11 h 23 min
